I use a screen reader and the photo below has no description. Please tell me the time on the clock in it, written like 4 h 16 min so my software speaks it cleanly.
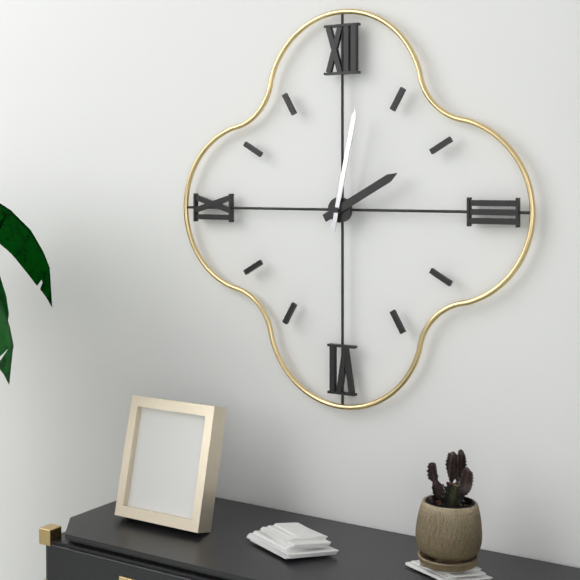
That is 2 h 02 min
